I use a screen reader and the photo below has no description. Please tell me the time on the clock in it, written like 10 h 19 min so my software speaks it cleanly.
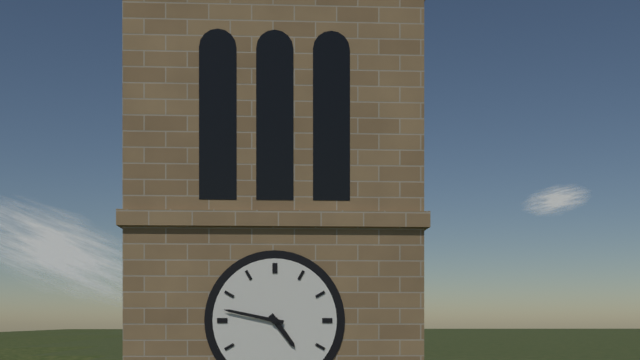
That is 4 h 47 min
